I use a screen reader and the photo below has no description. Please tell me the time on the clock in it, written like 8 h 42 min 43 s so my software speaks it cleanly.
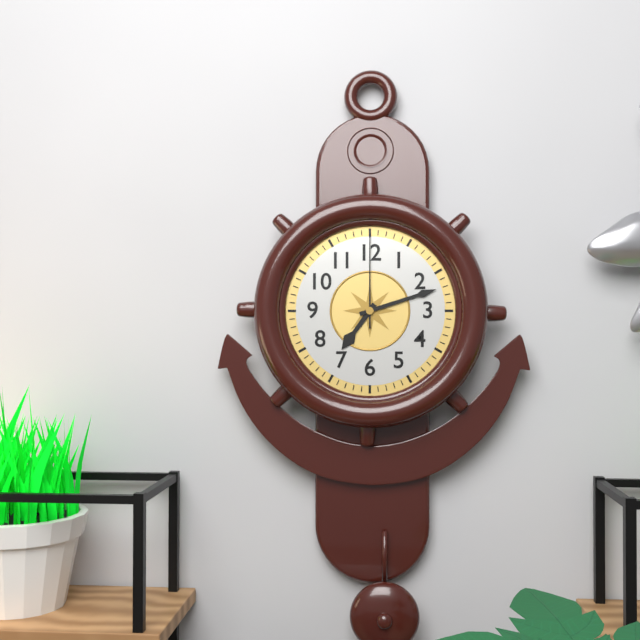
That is 7 h 12 min 00 s
